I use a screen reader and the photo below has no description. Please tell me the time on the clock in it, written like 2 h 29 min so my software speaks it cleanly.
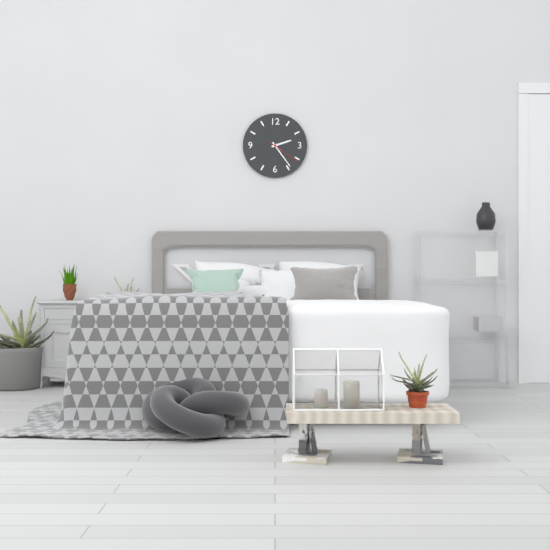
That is 2 h 24 min
